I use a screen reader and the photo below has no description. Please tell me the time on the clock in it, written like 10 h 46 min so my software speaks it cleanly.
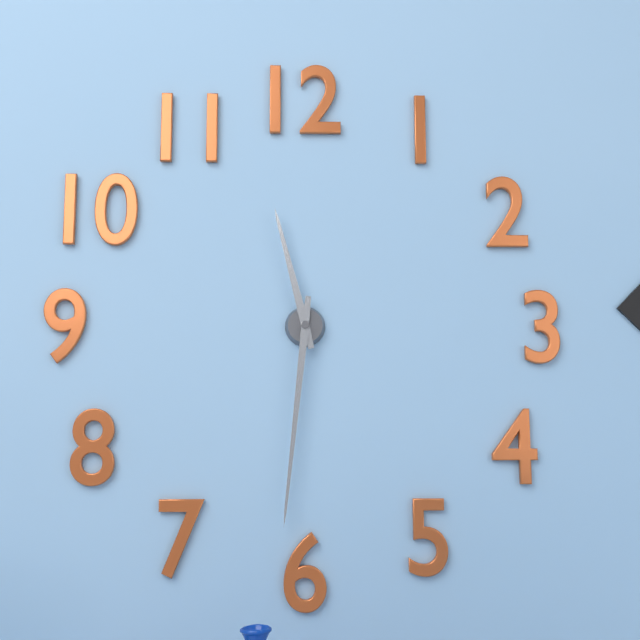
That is 11 h 31 min
